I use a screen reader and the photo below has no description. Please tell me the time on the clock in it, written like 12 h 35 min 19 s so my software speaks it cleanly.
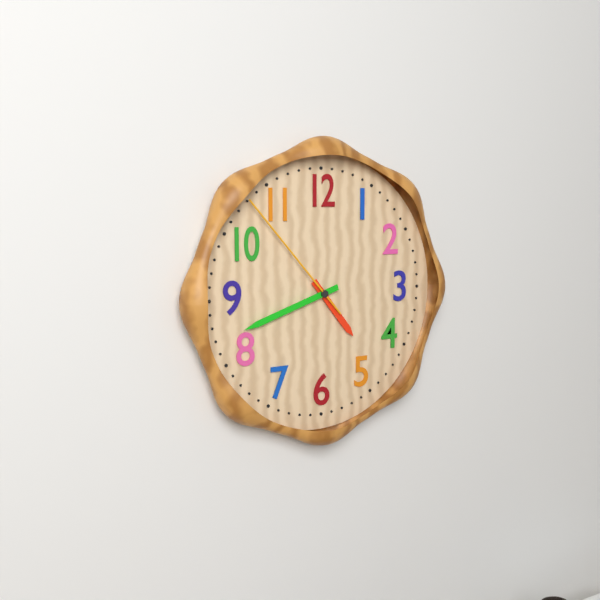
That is 4 h 42 min 53 s
